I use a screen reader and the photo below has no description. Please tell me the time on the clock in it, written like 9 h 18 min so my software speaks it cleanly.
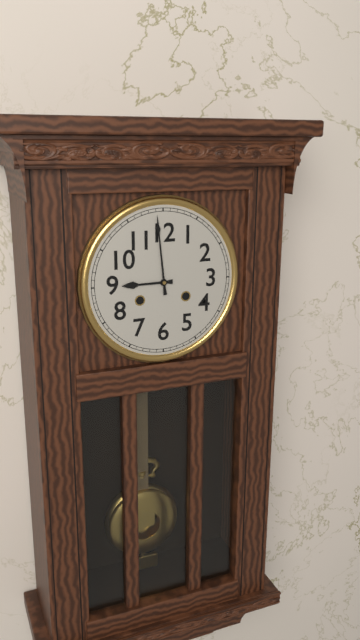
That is 8 h 59 min
